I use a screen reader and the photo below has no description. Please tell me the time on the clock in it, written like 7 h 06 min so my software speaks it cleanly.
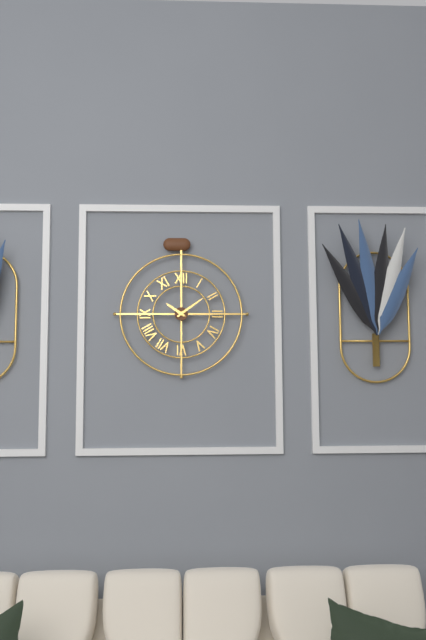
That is 10 h 09 min
